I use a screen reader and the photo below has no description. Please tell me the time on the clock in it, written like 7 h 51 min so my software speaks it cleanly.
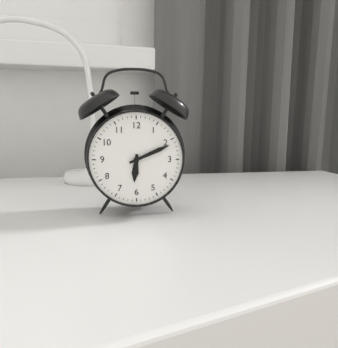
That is 6 h 11 min
